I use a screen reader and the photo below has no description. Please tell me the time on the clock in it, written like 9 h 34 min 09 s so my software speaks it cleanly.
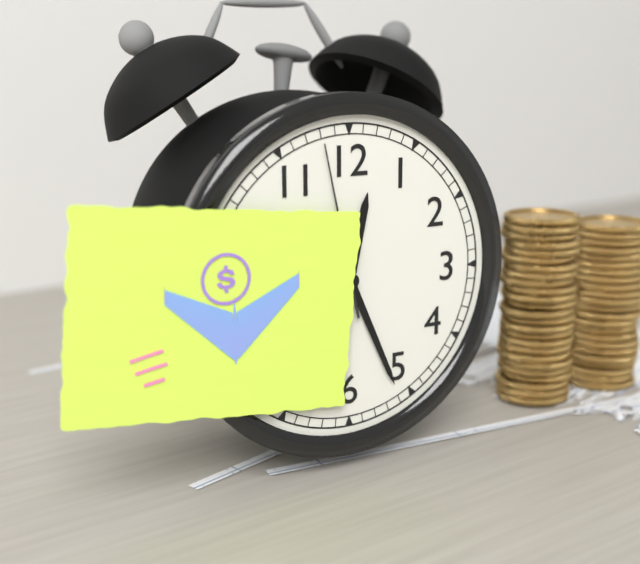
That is 12 h 26 min 58 s
